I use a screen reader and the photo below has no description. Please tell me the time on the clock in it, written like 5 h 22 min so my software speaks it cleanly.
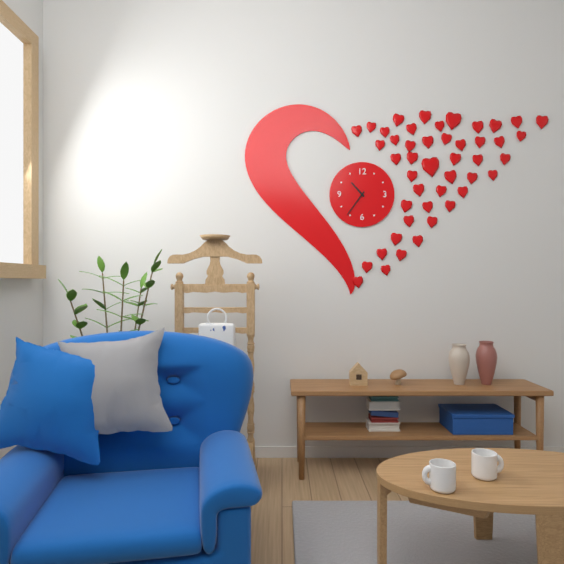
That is 10 h 36 min
